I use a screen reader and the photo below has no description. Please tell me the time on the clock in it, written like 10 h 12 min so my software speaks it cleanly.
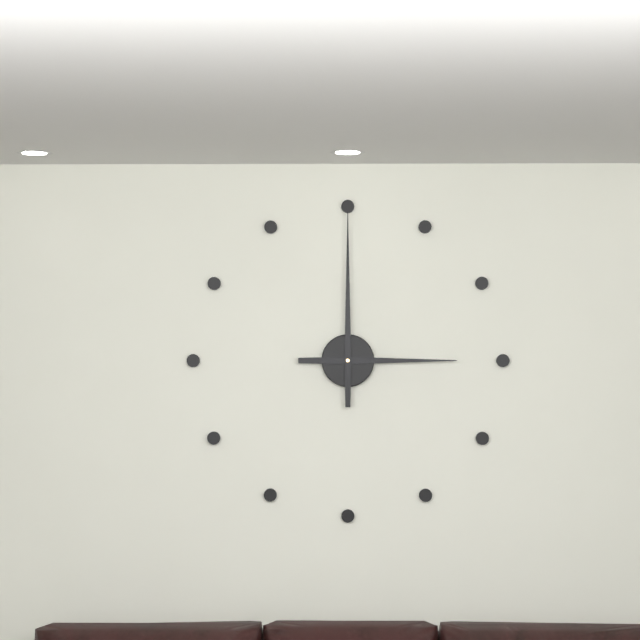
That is 3 h 00 min
